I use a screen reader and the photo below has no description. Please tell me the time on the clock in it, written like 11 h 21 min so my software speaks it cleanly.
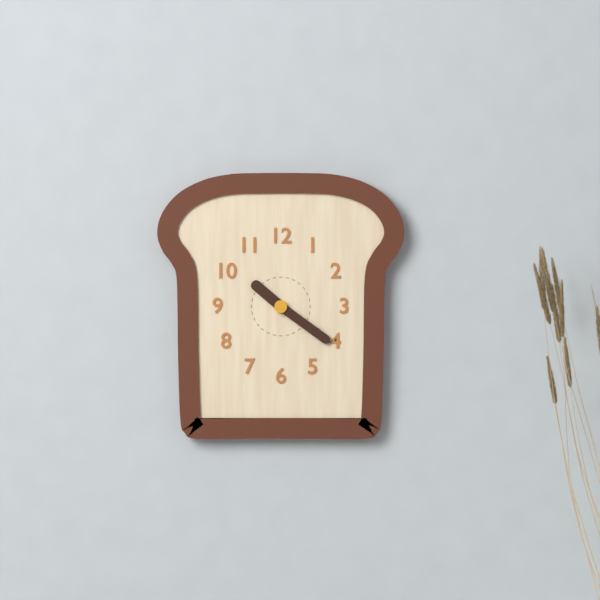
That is 10 h 21 min
